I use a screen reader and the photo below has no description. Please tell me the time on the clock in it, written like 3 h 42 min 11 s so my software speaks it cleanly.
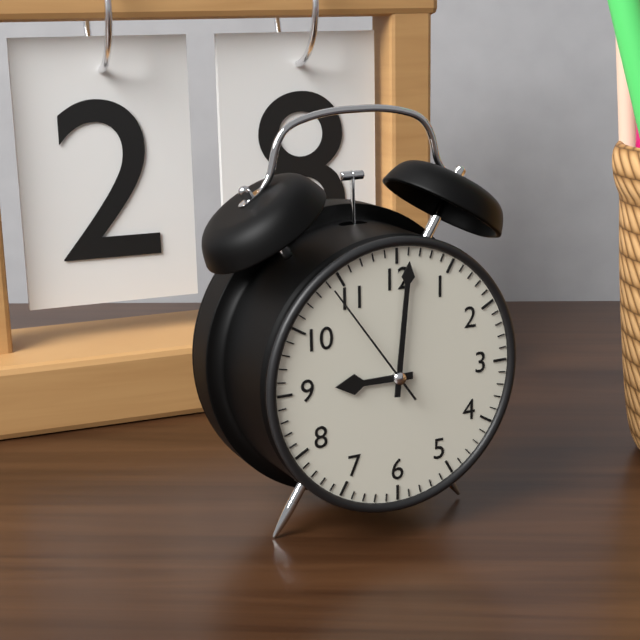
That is 9 h 01 min 54 s
